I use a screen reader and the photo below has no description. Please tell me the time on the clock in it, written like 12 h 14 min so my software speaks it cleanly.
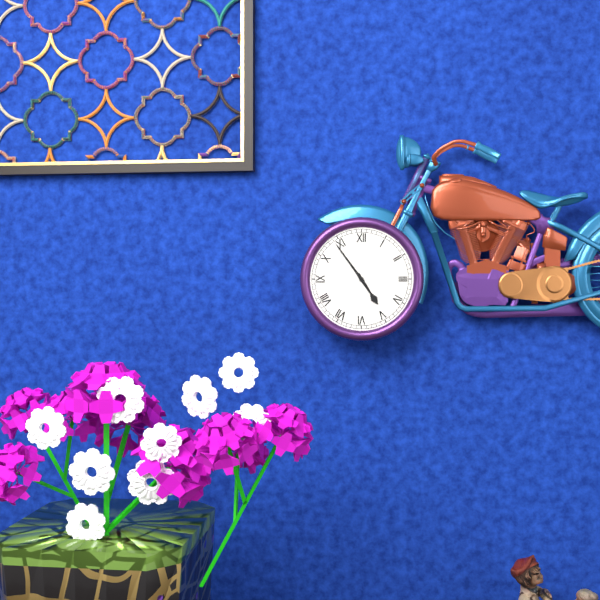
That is 4 h 54 min
